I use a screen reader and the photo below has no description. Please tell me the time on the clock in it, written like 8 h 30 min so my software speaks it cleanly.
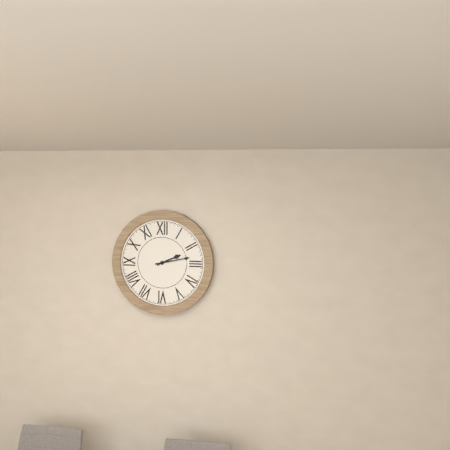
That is 2 h 13 min
